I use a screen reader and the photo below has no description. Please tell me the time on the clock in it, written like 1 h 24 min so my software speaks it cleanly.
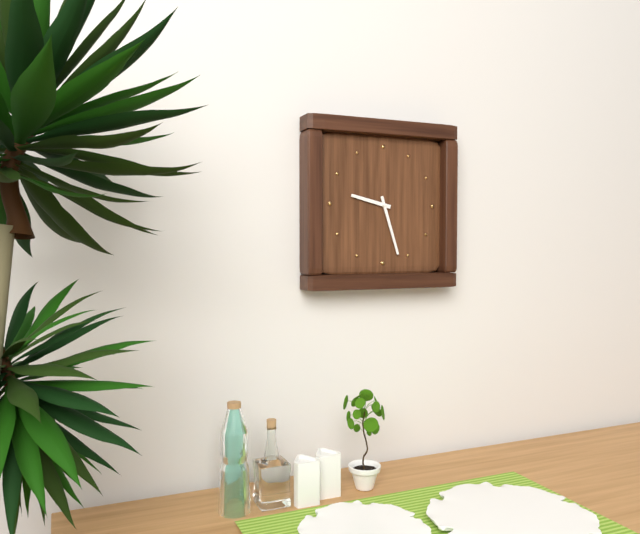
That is 9 h 27 min
